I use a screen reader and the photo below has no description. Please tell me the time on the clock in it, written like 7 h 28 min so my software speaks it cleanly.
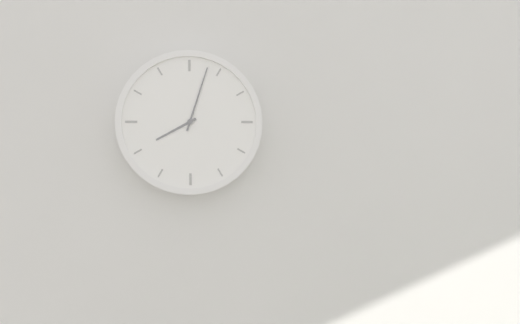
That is 8 h 03 min
